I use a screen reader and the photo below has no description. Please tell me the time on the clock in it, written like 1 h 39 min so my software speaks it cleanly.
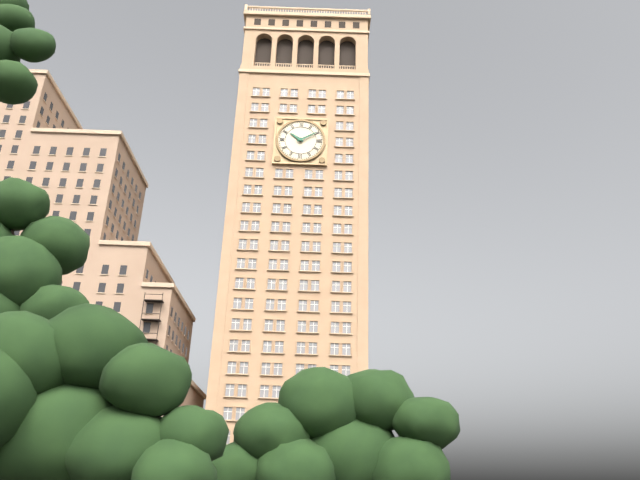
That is 10 h 10 min
